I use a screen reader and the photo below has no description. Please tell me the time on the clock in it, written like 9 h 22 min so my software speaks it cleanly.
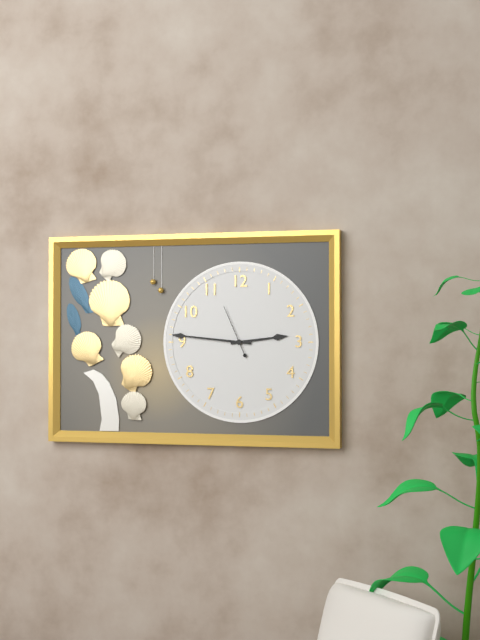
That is 2 h 46 min
